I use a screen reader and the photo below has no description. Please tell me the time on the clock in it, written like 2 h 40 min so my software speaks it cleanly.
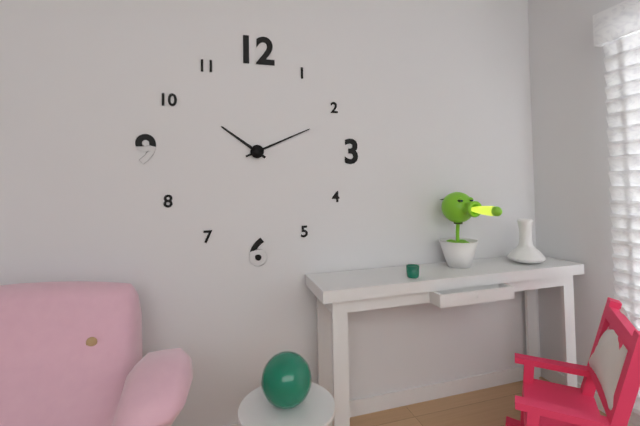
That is 10 h 11 min
